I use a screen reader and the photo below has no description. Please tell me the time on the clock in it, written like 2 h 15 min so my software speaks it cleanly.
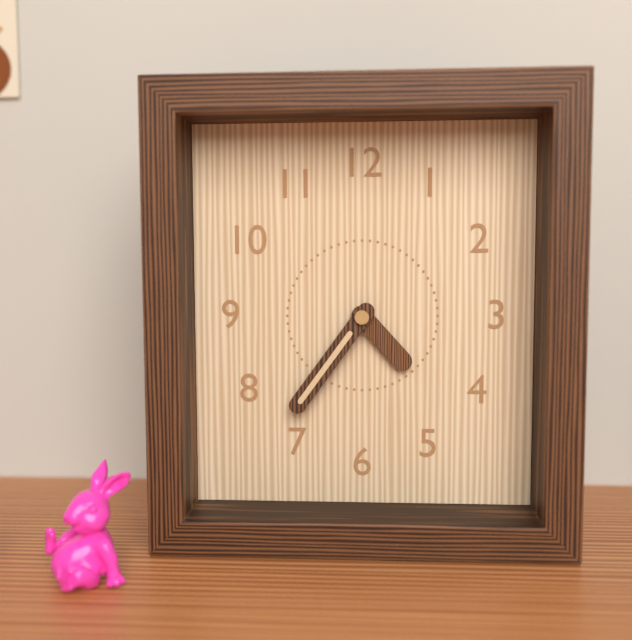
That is 4 h 36 min
